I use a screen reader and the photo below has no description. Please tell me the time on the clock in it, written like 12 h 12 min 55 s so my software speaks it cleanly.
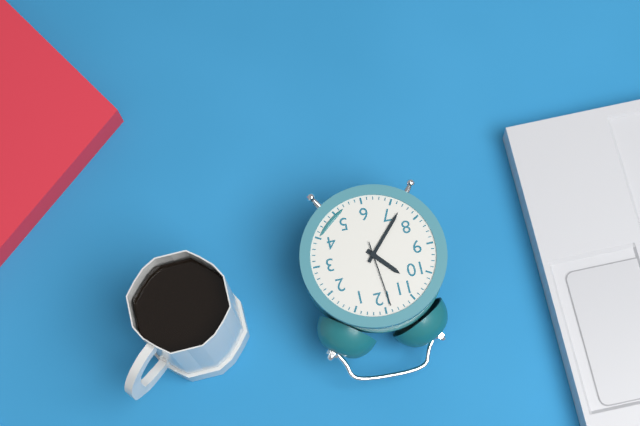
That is 10 h 37 min 59 s
